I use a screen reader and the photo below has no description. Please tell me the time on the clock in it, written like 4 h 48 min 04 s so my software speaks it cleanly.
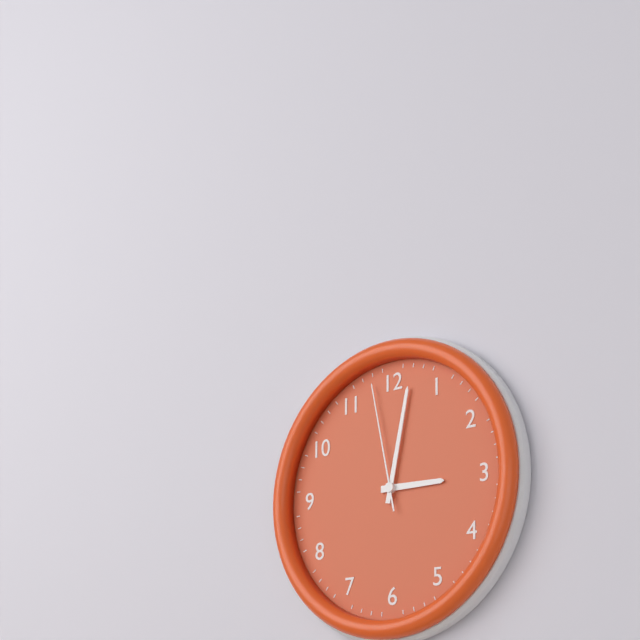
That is 3 h 02 min 58 s
